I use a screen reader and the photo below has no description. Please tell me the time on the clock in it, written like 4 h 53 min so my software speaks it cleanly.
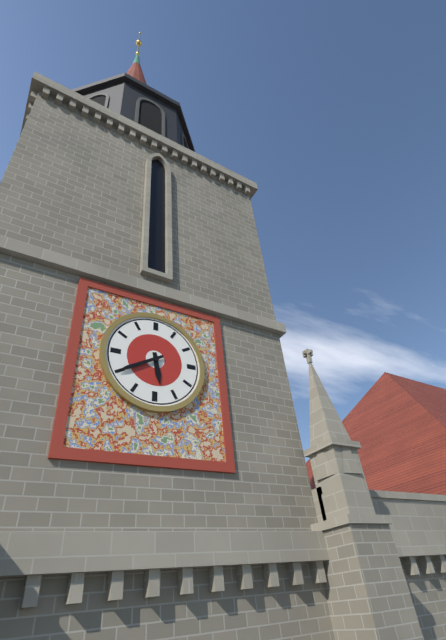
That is 5 h 40 min
